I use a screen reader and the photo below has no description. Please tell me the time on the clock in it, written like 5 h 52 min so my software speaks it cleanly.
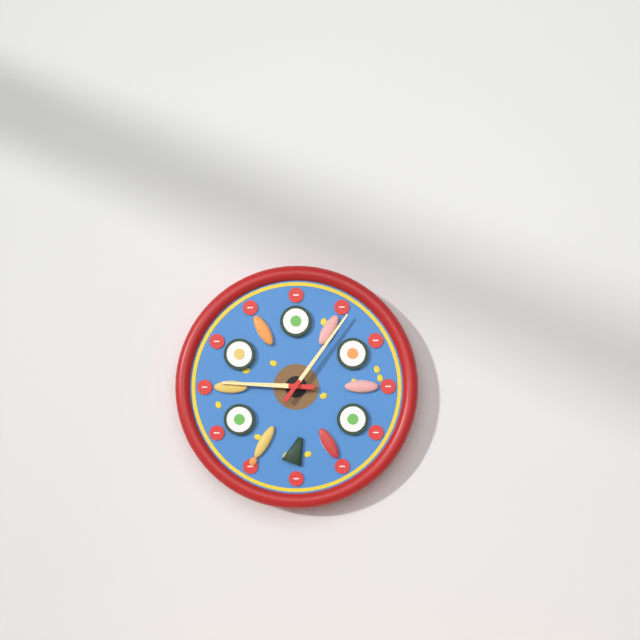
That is 9 h 06 min
